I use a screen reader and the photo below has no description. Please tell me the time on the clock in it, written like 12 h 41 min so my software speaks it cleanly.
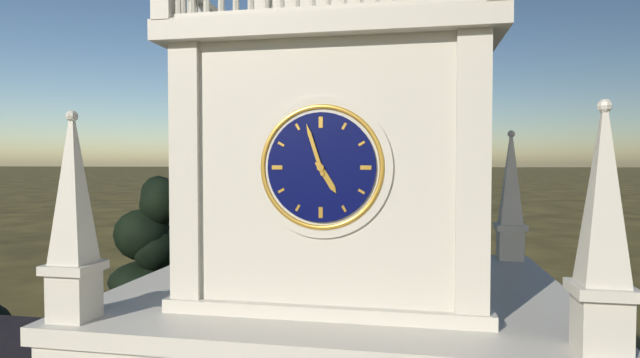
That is 4 h 57 min
